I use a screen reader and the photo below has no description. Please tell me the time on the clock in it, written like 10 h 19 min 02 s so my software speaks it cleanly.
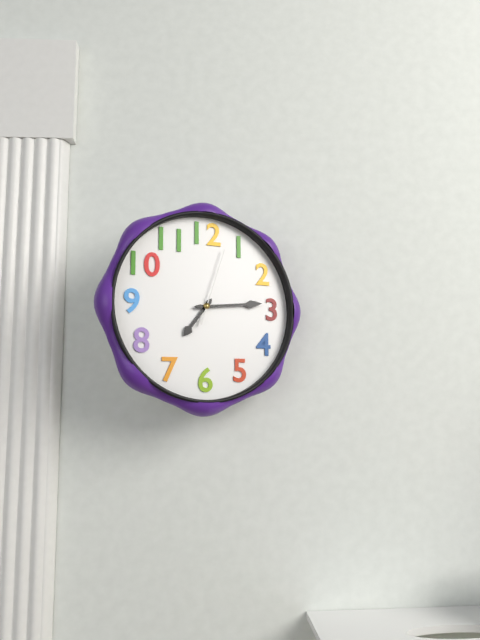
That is 7 h 14 min 03 s
